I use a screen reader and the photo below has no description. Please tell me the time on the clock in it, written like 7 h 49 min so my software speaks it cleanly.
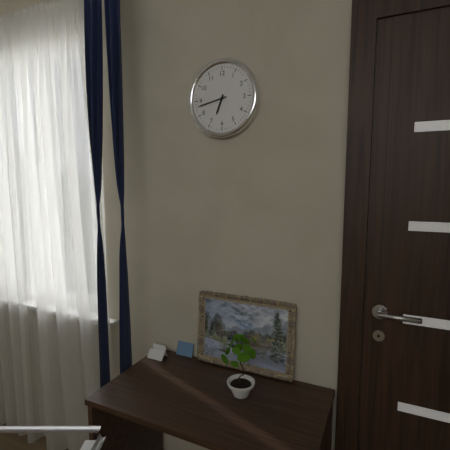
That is 6 h 43 min
